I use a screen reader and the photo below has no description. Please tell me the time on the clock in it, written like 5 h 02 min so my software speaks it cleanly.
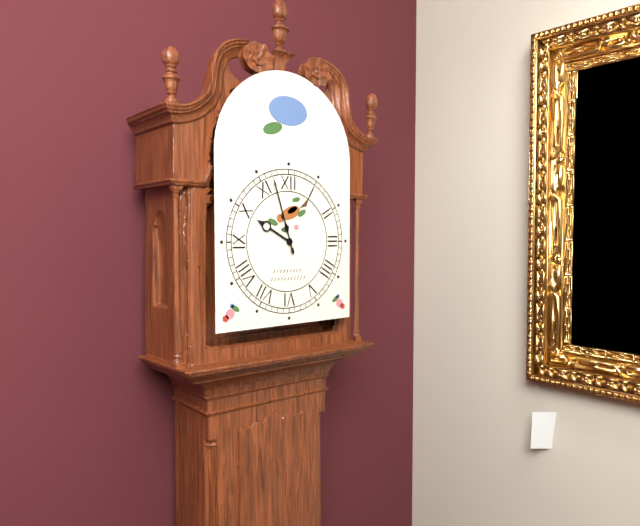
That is 9 h 57 min
